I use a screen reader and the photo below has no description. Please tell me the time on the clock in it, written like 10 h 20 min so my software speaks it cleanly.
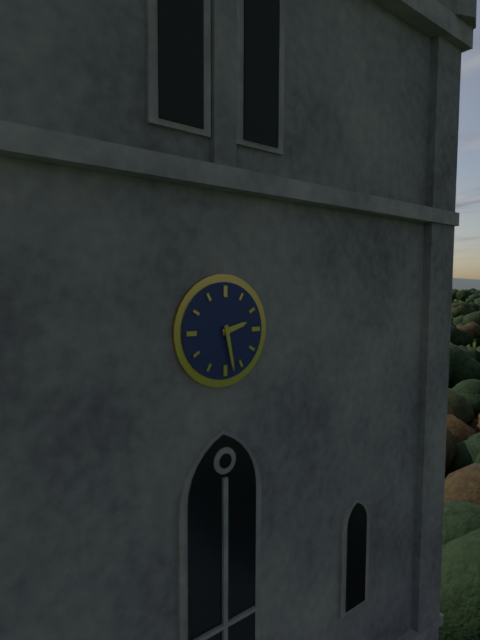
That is 2 h 28 min
